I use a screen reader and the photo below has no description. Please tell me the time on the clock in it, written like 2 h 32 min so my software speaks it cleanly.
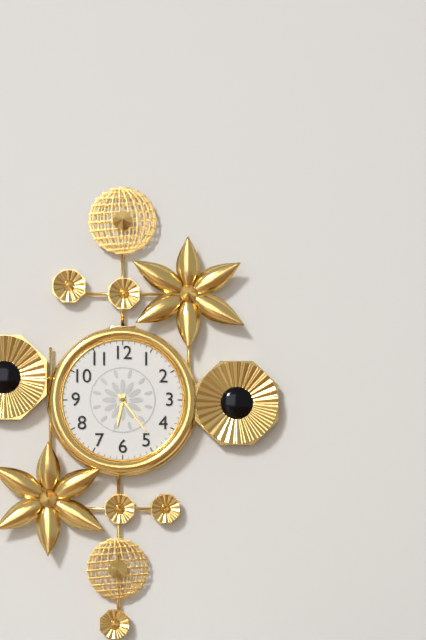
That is 6 h 24 min
